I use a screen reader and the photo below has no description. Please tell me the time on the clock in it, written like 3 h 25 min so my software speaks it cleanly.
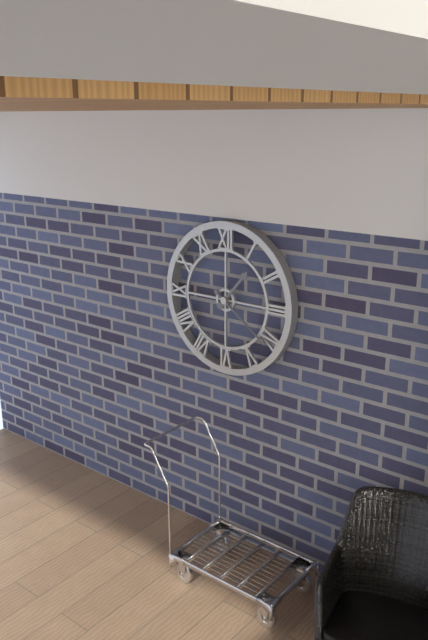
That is 1 h 21 min
